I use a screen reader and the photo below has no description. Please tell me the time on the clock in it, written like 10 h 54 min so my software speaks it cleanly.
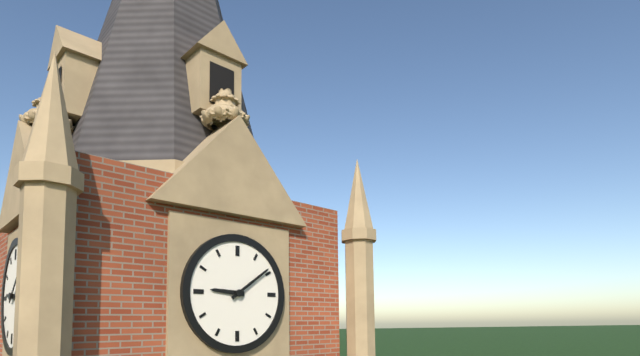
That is 9 h 09 min
